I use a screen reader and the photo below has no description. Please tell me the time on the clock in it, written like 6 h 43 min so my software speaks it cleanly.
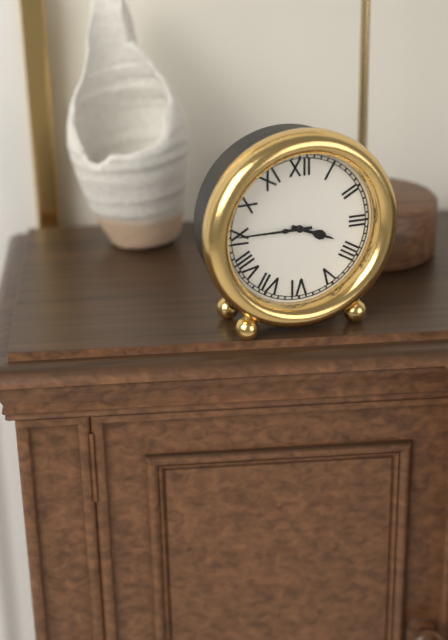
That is 3 h 45 min
